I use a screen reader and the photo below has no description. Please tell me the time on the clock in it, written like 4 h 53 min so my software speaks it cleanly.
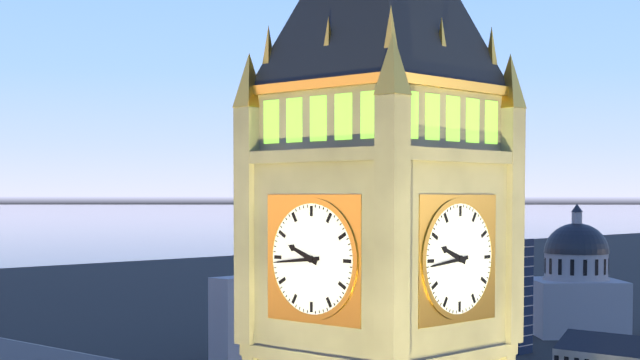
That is 9 h 44 min
